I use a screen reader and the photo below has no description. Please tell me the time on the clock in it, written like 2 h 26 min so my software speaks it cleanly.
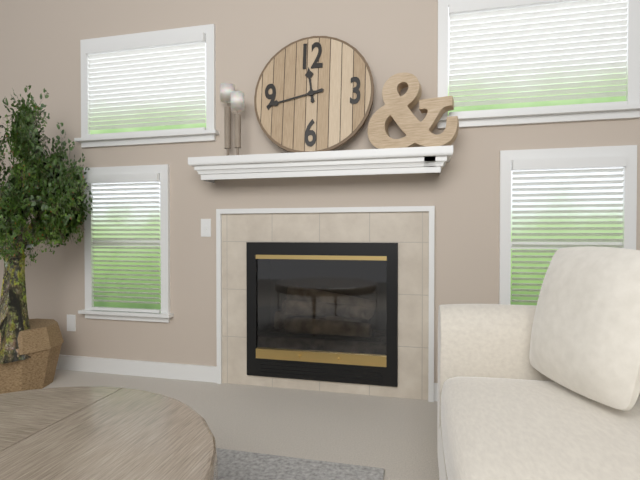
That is 11 h 43 min
